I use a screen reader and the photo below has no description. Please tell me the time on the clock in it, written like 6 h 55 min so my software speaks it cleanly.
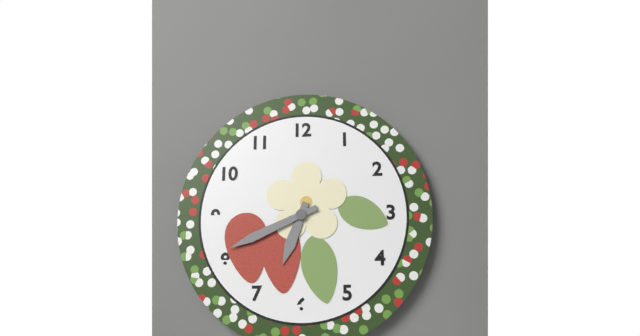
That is 6 h 41 min
